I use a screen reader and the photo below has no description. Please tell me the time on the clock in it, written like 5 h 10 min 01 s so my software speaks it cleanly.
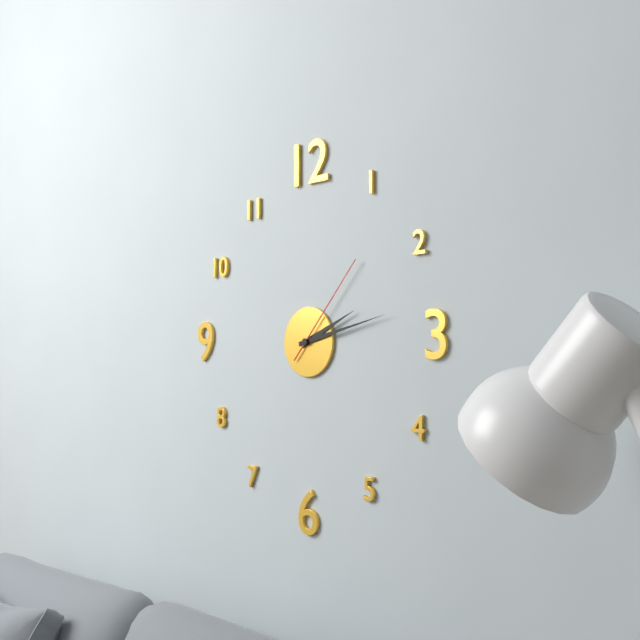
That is 2 h 13 min 07 s
